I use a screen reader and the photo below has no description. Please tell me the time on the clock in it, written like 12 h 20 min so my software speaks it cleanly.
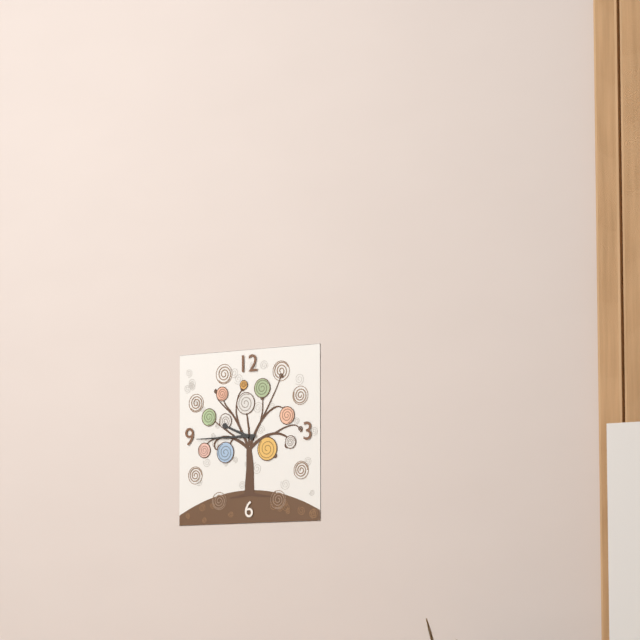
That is 9 h 45 min
